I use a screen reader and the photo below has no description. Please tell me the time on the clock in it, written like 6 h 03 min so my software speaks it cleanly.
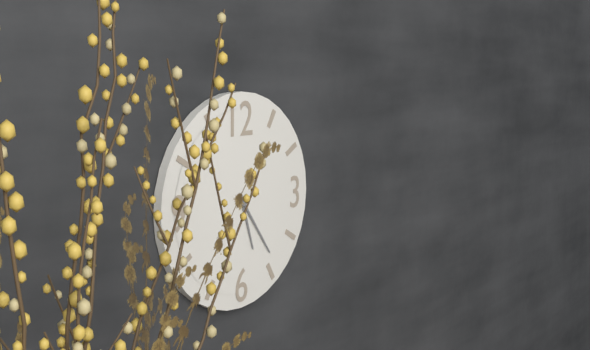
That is 5 h 24 min
